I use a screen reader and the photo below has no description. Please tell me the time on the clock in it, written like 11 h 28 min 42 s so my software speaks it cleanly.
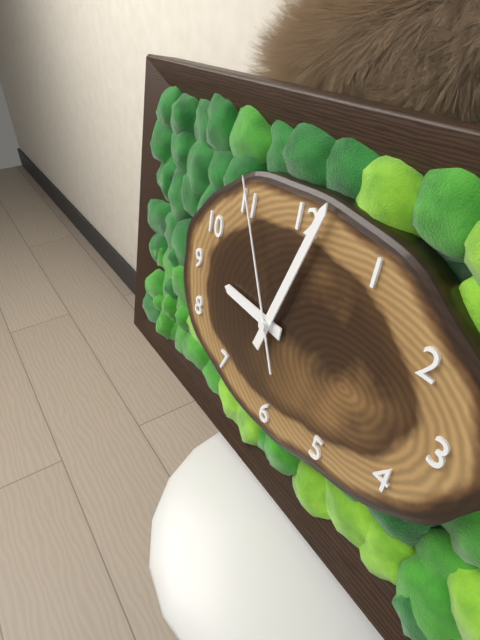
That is 9 h 03 min 55 s
